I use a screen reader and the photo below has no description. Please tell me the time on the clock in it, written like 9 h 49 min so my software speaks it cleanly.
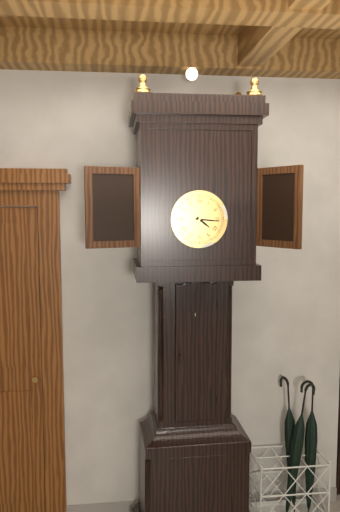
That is 4 h 16 min
